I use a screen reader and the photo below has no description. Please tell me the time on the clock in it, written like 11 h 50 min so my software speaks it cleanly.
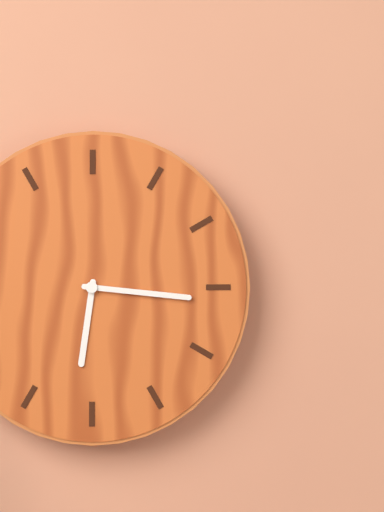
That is 6 h 16 min
